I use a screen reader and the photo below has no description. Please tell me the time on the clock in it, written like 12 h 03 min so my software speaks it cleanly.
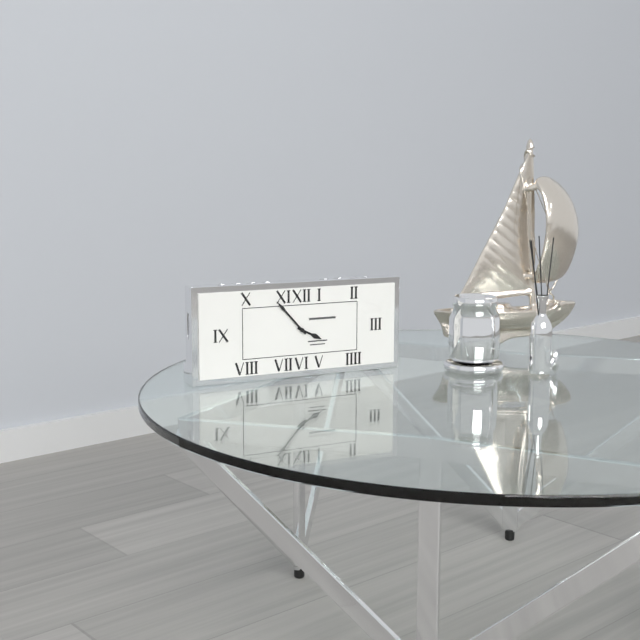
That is 3 h 53 min
